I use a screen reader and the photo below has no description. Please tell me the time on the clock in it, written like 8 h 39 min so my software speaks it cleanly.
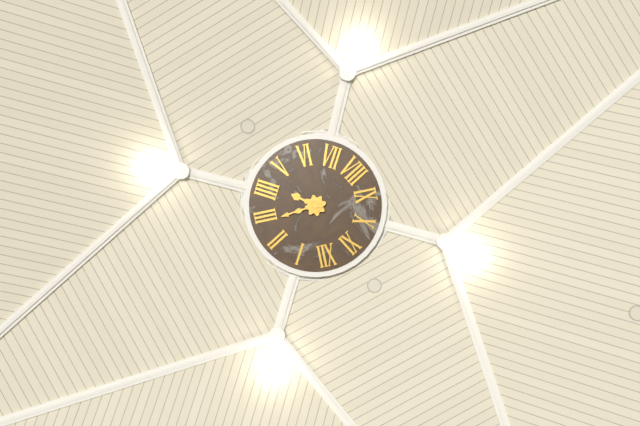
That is 4 h 14 min
